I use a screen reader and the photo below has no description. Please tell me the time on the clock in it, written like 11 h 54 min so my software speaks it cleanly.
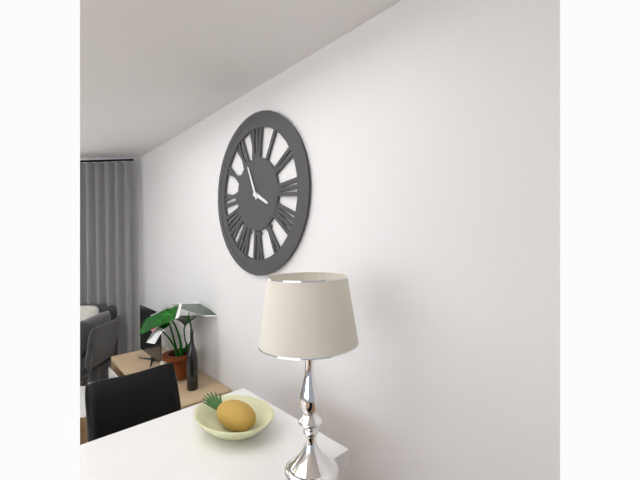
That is 3 h 56 min
